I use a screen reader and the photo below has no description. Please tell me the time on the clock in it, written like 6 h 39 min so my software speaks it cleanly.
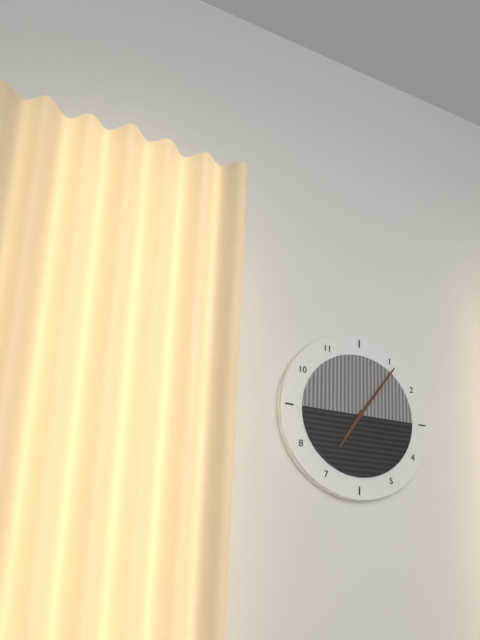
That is 7 h 06 min
